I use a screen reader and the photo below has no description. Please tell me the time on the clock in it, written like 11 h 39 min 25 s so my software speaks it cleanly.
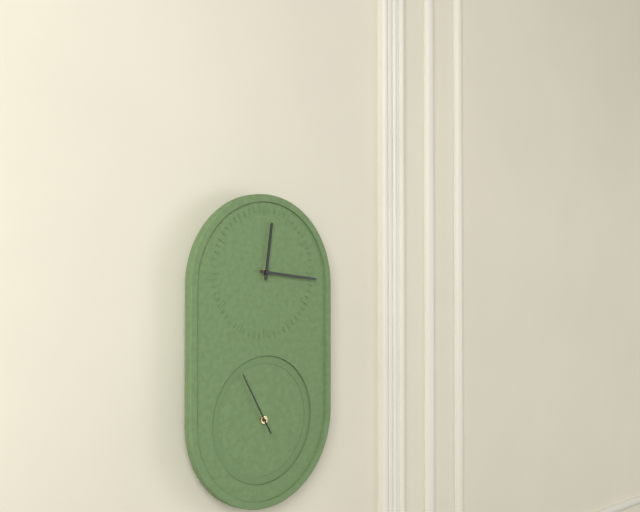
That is 12 h 16 min 55 s
